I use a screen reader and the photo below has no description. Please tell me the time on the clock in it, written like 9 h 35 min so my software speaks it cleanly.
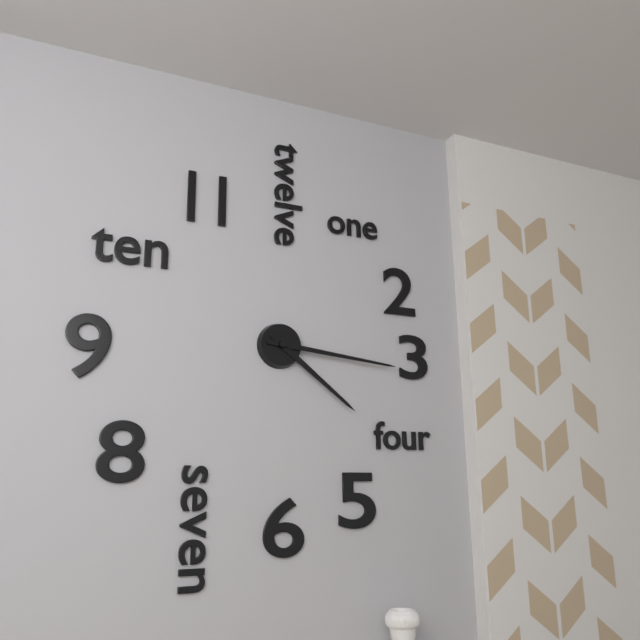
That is 4 h 16 min
